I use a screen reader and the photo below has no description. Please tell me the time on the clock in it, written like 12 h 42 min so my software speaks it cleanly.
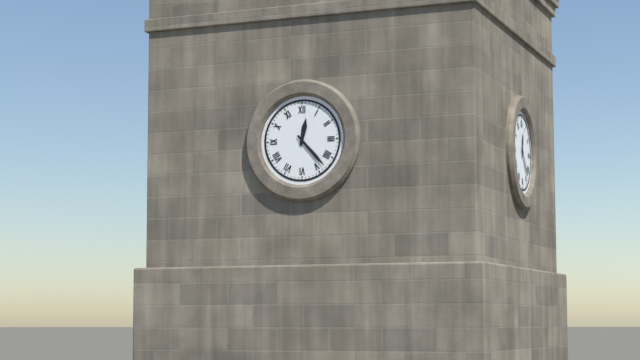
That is 12 h 23 min
